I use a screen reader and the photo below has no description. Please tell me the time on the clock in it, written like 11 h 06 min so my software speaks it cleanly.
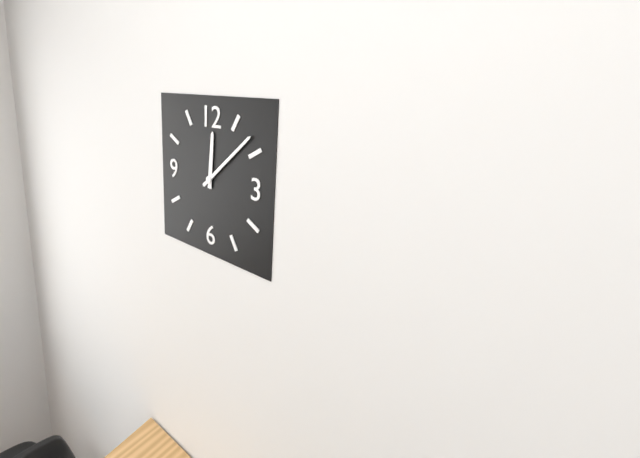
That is 12 h 08 min
